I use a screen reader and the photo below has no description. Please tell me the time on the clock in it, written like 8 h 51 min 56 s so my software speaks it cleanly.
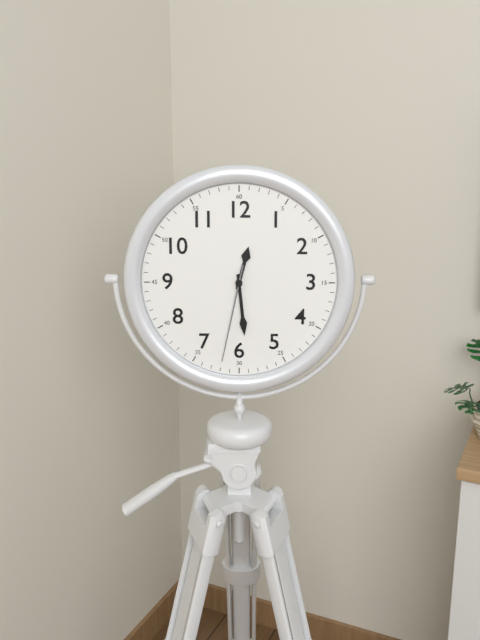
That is 12 h 29 min 32 s
